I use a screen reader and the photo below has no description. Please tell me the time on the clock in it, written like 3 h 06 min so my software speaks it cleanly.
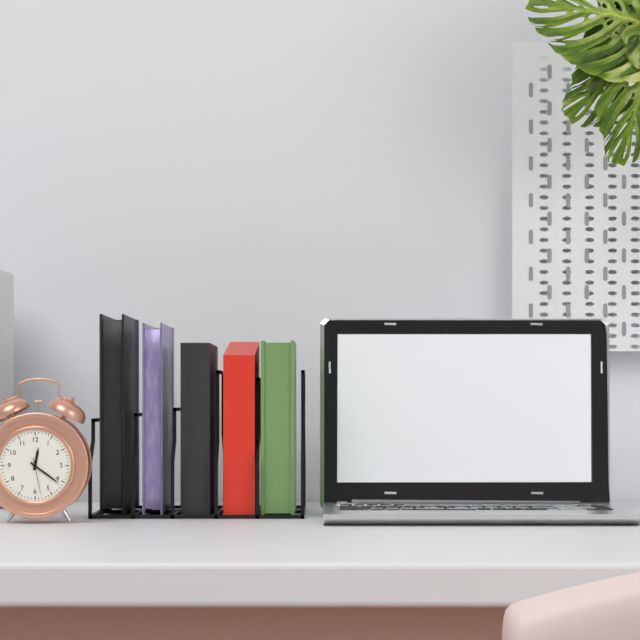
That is 12 h 21 min
